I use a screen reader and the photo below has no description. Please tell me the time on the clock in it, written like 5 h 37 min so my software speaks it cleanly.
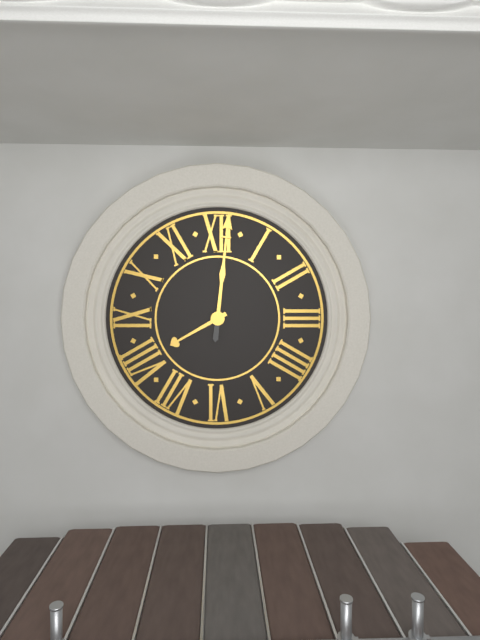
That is 8 h 01 min
